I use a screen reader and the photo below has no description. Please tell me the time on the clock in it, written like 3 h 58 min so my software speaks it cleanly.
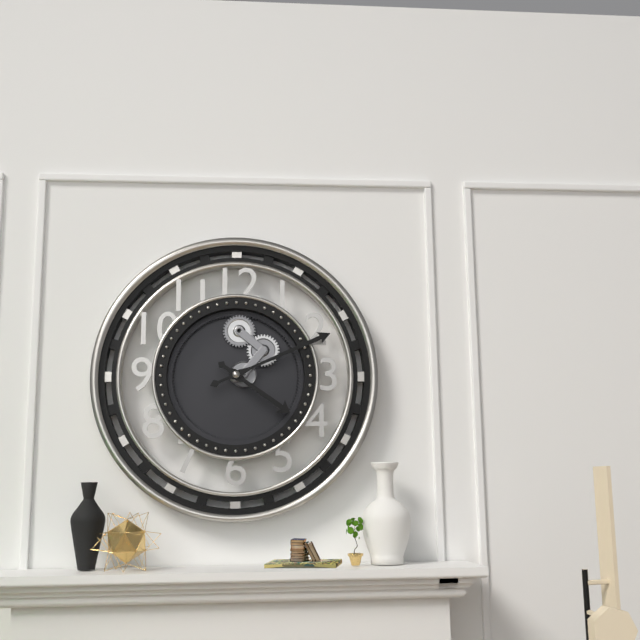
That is 4 h 11 min
